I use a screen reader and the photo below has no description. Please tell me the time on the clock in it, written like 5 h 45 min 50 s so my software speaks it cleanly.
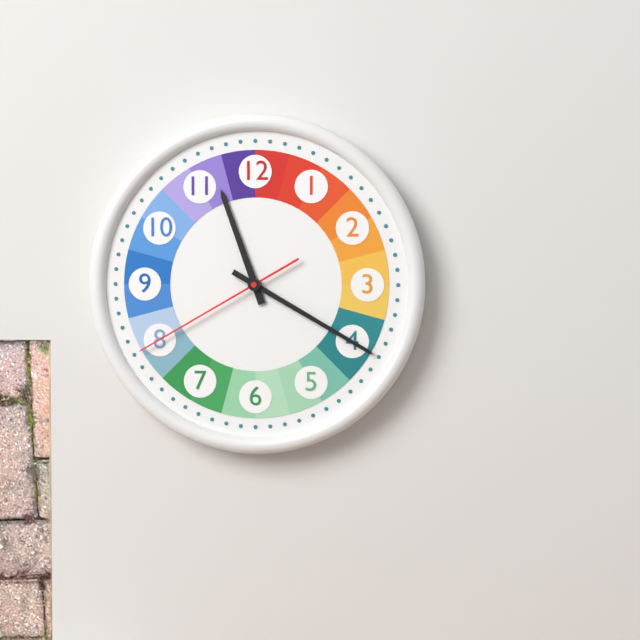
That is 11 h 20 min 40 s
